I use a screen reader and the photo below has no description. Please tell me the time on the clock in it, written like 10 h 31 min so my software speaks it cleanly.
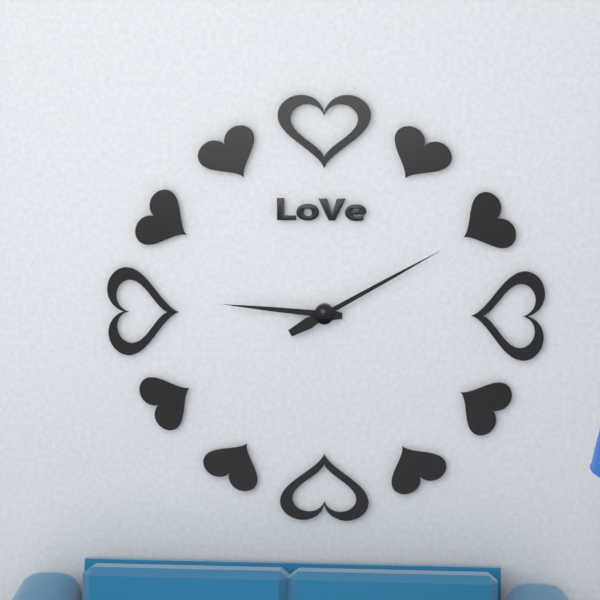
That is 9 h 10 min
